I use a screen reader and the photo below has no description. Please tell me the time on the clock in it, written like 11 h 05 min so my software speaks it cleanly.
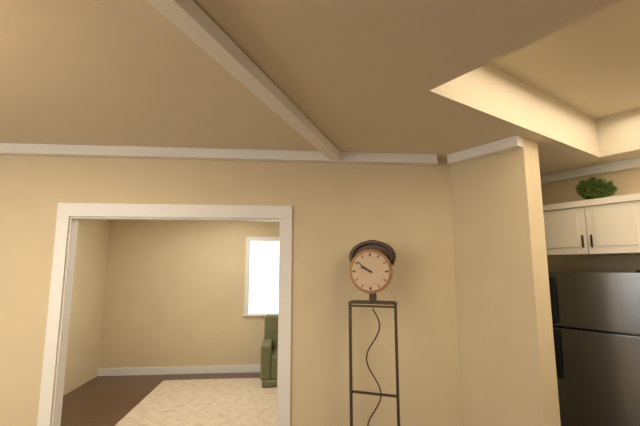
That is 9 h 51 min
